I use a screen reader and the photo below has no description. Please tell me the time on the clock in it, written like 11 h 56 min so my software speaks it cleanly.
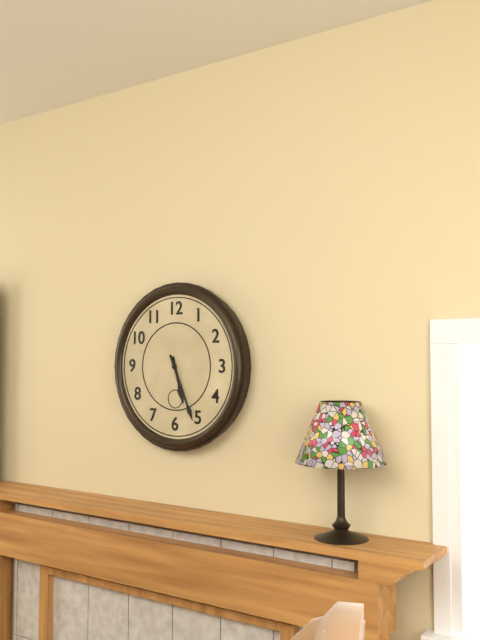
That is 5 h 26 min
